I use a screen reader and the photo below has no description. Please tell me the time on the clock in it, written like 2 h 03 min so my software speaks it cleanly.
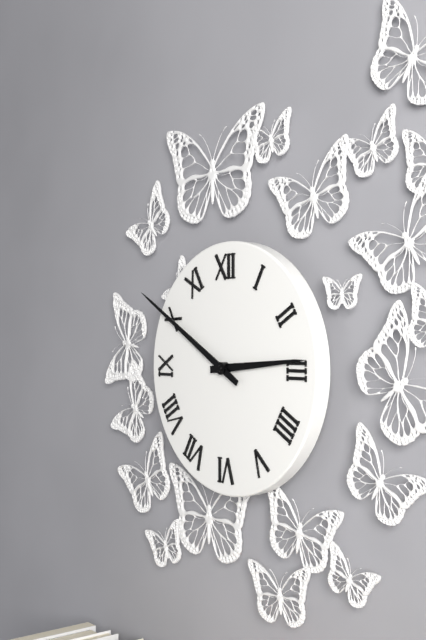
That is 2 h 50 min
